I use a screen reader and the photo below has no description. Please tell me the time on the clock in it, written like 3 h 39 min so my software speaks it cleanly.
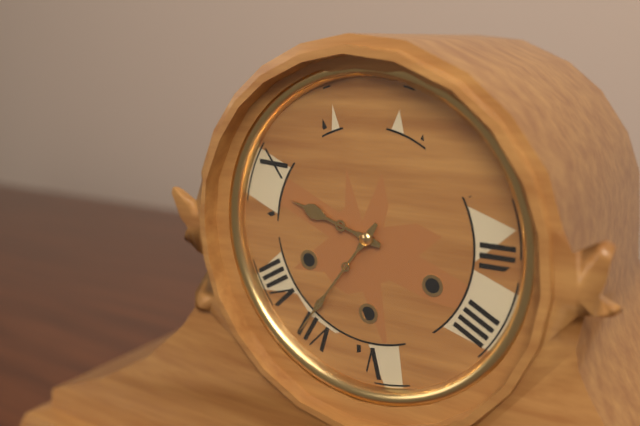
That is 9 h 36 min
